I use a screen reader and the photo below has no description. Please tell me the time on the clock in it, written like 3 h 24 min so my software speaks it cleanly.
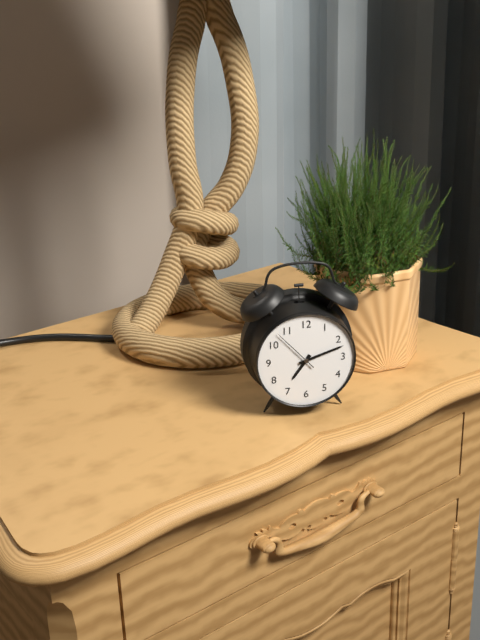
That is 7 h 12 min
